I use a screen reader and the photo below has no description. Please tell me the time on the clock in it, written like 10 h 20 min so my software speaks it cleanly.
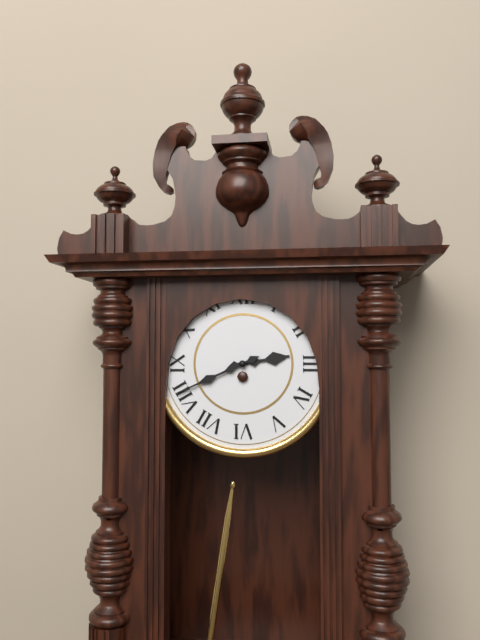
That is 2 h 41 min
